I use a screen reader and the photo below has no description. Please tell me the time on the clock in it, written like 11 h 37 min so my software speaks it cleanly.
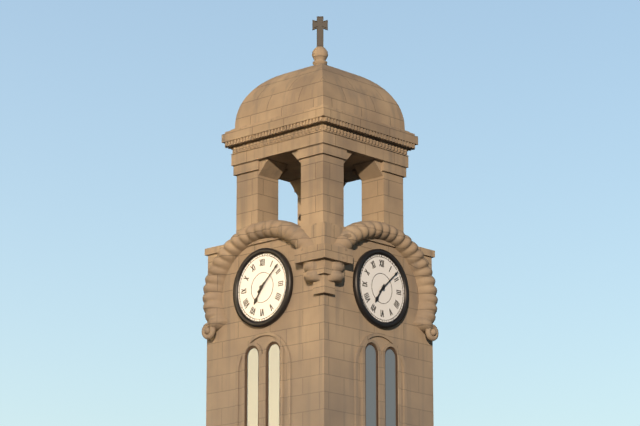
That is 7 h 08 min
